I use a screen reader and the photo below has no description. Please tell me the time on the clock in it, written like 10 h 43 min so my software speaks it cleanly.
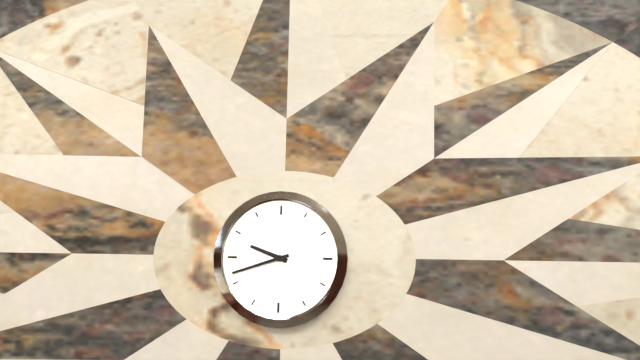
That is 9 h 42 min
